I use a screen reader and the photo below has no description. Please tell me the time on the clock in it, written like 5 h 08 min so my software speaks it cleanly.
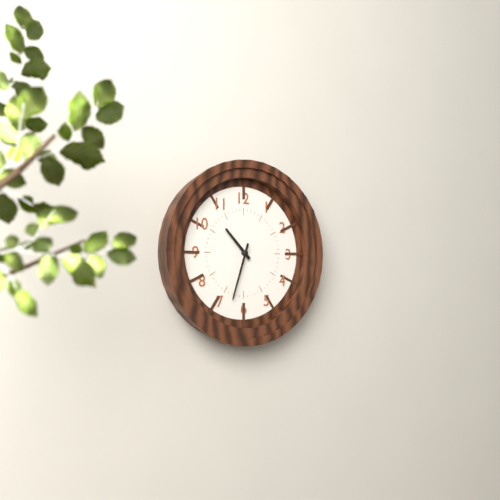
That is 10 h 33 min
